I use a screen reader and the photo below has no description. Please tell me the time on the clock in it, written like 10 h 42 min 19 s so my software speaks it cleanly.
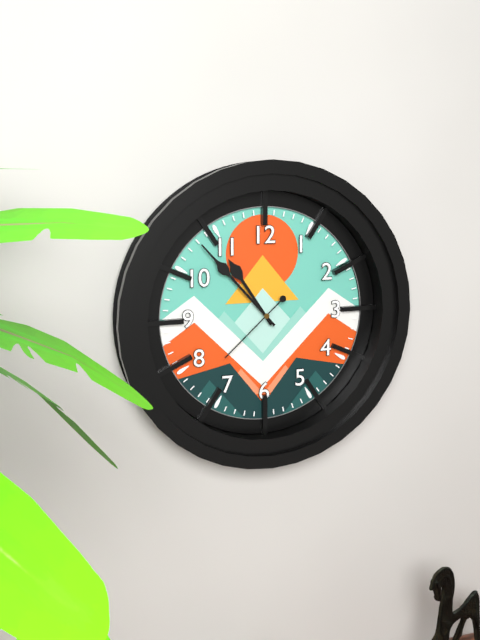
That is 10 h 53 min 38 s
